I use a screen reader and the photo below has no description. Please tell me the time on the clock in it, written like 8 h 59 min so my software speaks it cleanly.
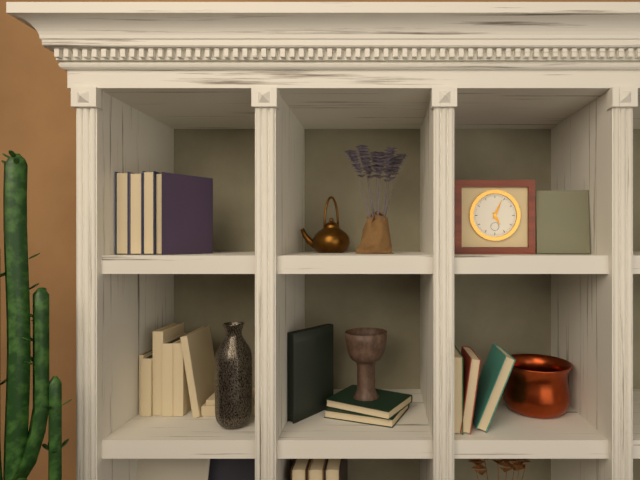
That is 5 h 04 min
